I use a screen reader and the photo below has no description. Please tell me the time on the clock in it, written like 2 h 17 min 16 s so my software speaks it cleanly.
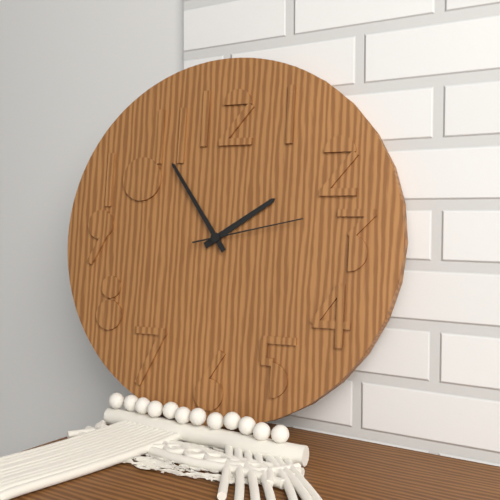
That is 1 h 54 min 13 s
